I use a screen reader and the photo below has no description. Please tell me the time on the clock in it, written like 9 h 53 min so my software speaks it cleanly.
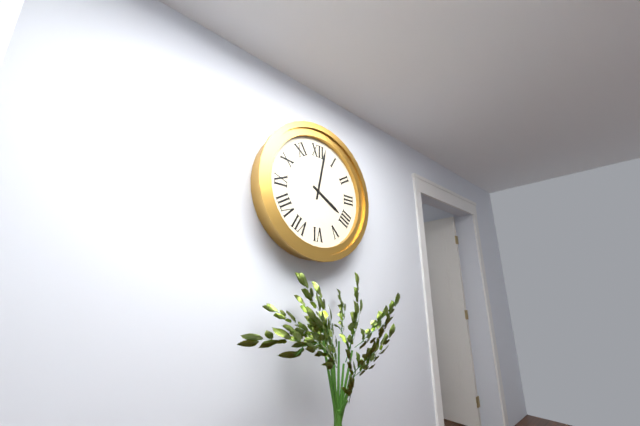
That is 4 h 02 min
